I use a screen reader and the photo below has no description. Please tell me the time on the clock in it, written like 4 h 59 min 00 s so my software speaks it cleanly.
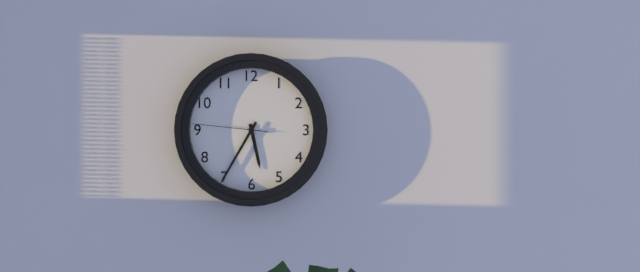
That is 5 h 35 min 46 s
